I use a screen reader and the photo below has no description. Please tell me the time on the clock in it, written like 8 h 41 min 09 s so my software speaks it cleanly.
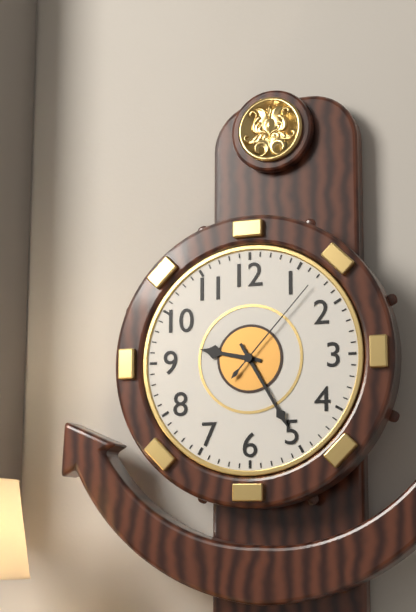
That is 9 h 25 min 07 s
